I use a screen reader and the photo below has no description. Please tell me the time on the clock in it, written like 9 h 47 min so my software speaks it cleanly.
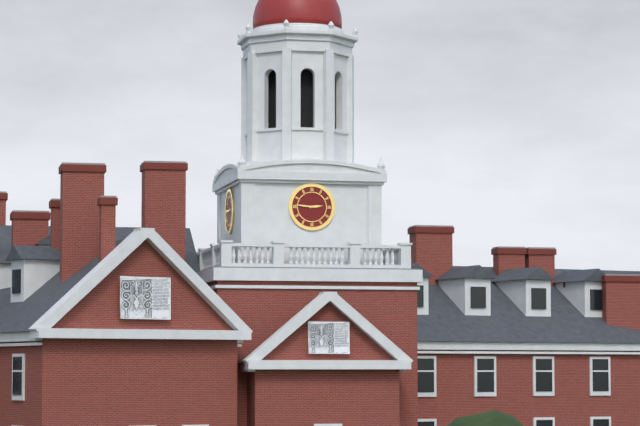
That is 2 h 46 min
